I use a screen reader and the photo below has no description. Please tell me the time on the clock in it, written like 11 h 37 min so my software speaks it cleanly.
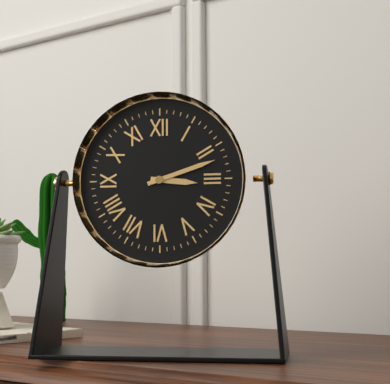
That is 3 h 12 min
